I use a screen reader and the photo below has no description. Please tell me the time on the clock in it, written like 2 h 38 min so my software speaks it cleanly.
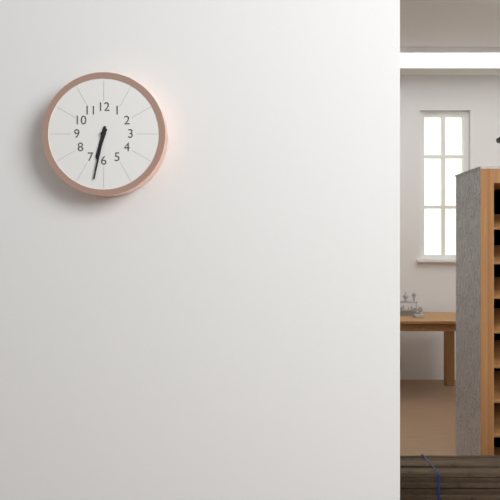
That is 6 h 32 min
